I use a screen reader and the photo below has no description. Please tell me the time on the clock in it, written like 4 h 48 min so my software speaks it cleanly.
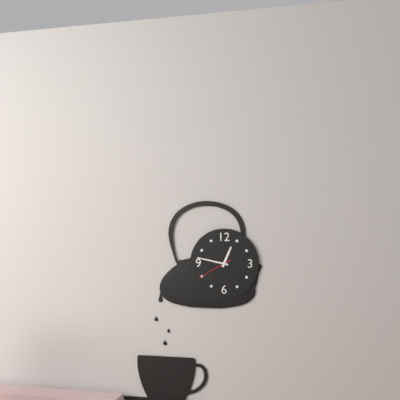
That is 12 h 47 min
